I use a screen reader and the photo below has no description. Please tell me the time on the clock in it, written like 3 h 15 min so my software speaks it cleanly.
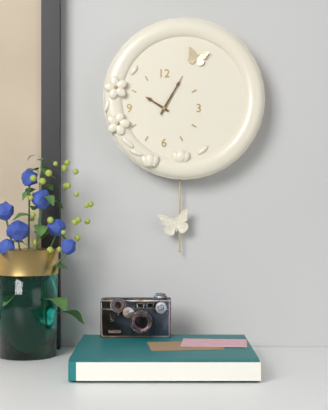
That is 10 h 05 min
